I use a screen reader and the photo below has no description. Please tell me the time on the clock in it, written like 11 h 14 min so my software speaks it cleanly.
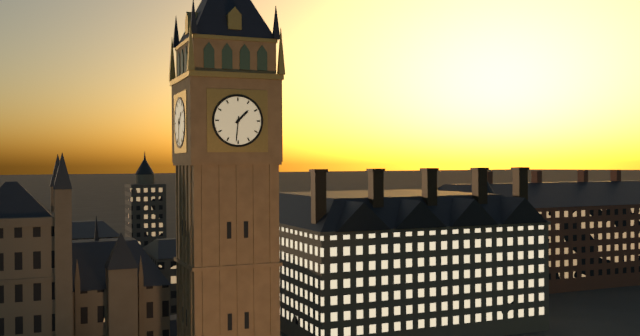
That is 1 h 31 min
